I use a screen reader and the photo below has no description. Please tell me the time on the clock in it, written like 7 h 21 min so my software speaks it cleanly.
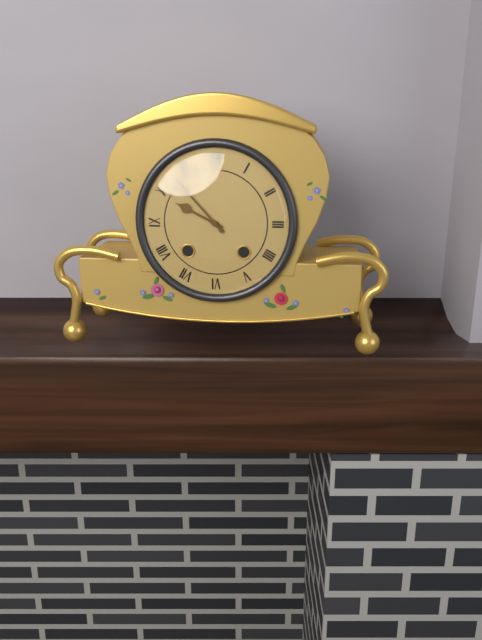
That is 9 h 53 min
